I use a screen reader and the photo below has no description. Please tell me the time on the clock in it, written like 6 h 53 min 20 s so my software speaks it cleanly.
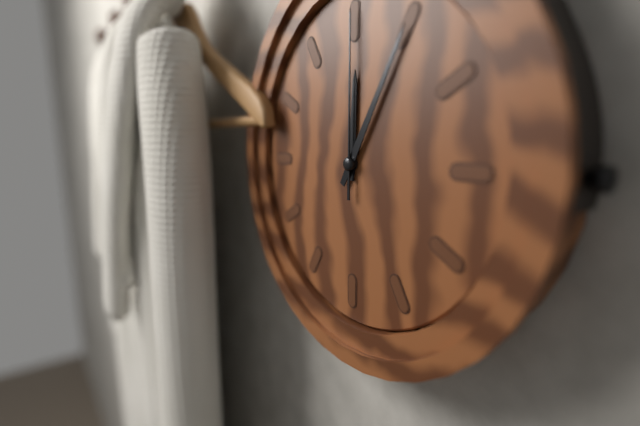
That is 12 h 05 min 00 s
